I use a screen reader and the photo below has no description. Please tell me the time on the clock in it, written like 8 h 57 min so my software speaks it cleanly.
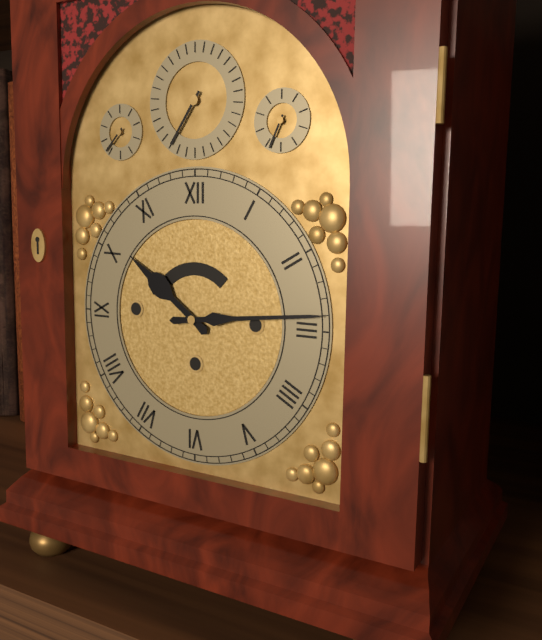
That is 10 h 14 min
